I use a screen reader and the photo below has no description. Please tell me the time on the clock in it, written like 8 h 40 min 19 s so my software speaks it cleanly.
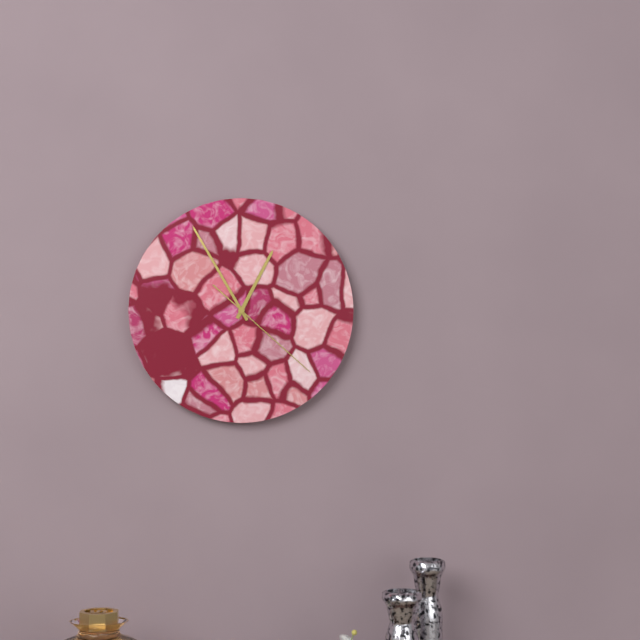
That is 12 h 55 min 22 s
